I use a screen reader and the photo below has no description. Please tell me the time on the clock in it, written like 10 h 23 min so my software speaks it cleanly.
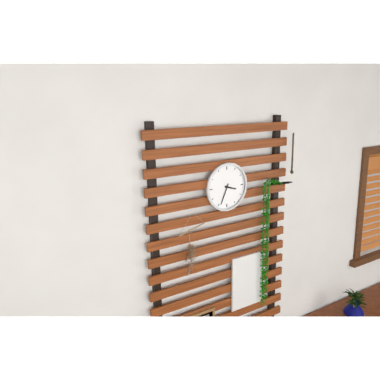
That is 3 h 34 min
